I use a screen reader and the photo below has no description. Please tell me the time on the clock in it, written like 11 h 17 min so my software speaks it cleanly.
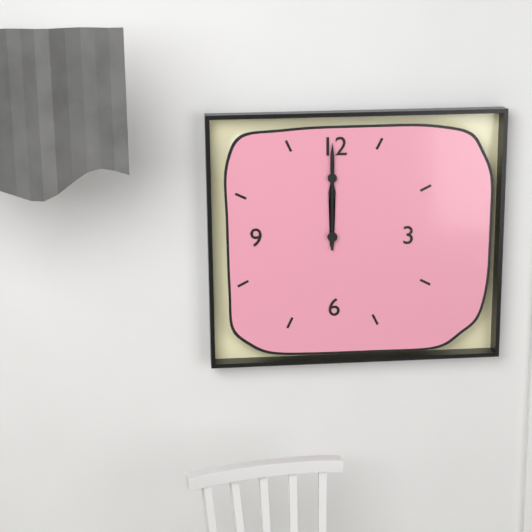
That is 12 h 00 min
